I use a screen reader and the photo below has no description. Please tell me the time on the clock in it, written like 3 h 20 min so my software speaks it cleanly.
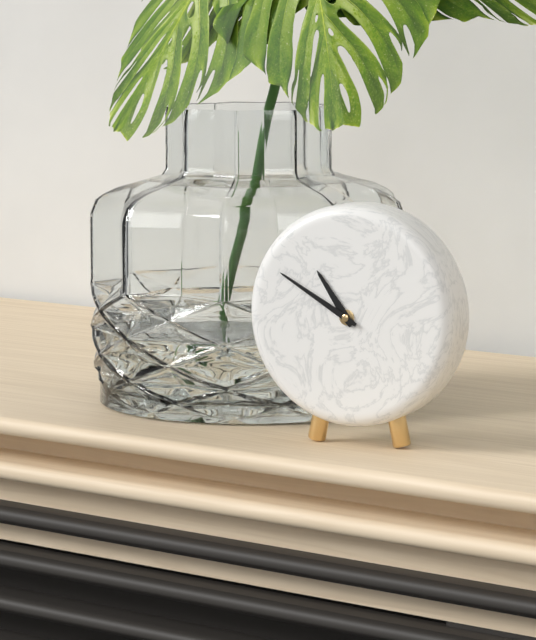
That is 10 h 50 min
